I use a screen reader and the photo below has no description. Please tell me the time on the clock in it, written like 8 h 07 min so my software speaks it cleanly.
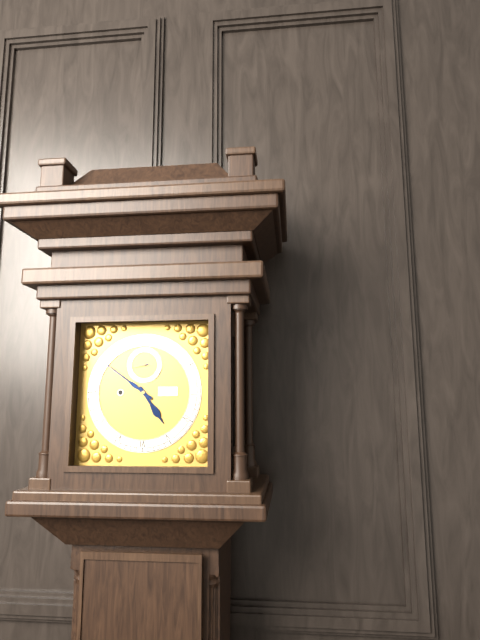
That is 4 h 51 min
